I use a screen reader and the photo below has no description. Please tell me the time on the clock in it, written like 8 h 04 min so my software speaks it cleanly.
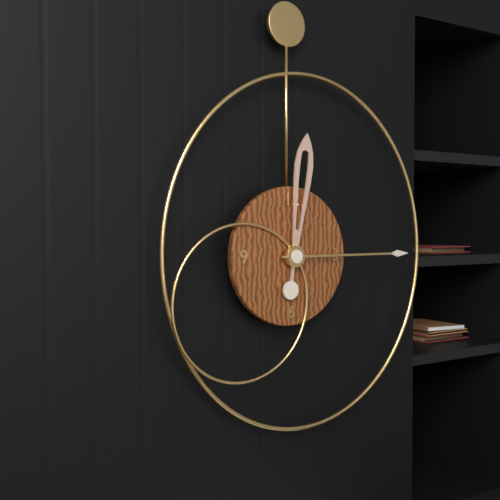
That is 12 h 15 min
